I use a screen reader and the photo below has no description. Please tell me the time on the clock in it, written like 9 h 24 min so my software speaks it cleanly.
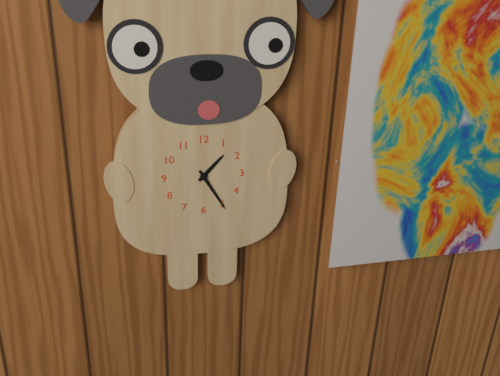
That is 1 h 25 min
